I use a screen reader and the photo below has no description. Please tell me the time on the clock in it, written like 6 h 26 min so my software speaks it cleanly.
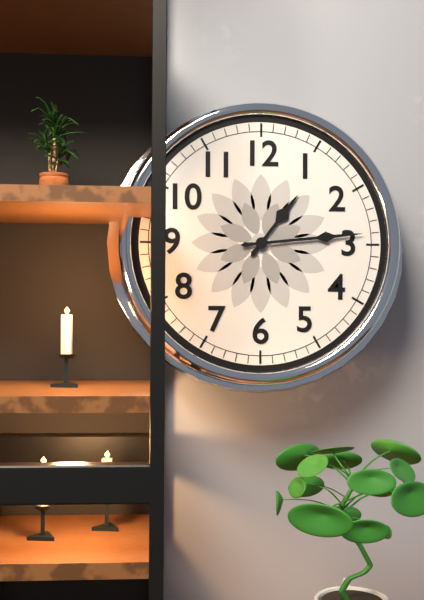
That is 1 h 14 min
